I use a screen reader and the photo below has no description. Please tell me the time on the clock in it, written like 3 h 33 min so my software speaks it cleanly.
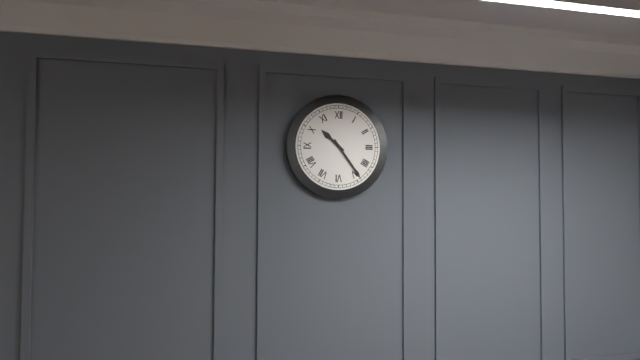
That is 10 h 24 min
